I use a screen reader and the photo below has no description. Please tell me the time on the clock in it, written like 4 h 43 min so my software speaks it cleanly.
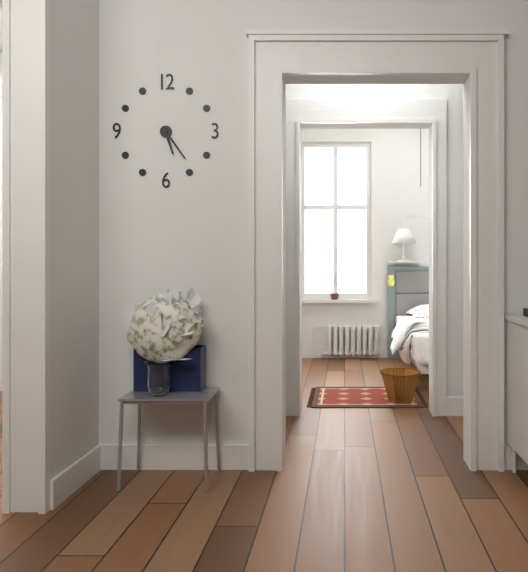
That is 5 h 24 min
